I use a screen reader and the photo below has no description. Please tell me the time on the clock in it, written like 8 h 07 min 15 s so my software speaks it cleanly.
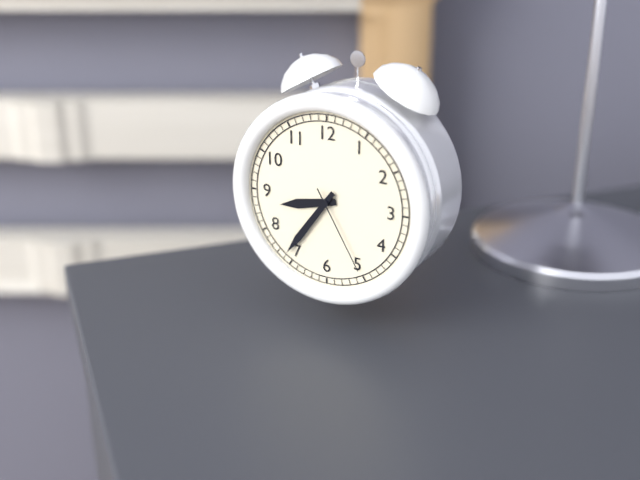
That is 8 h 36 min 25 s
